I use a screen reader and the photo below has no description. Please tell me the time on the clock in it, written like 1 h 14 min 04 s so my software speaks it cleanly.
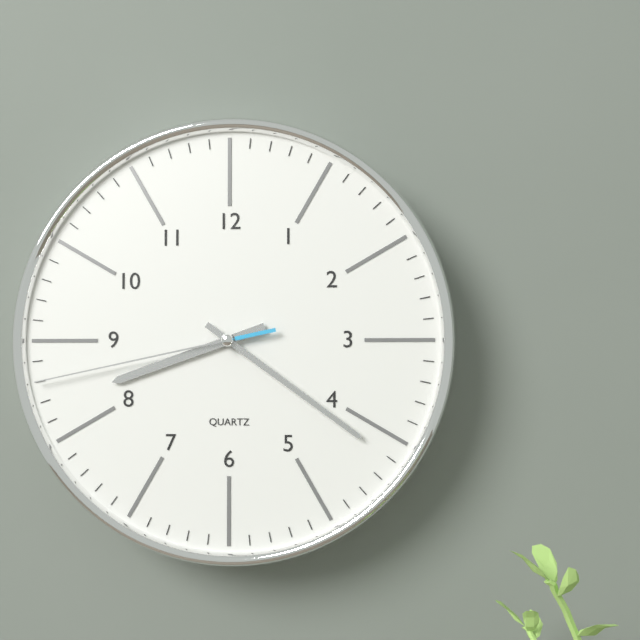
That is 8 h 21 min 43 s
